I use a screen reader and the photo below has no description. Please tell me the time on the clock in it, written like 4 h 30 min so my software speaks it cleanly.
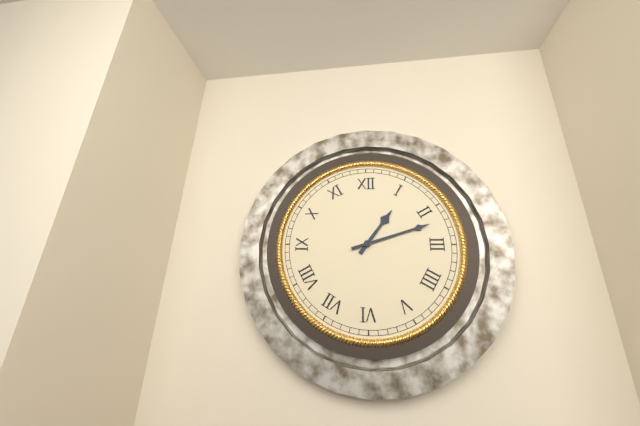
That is 1 h 12 min
